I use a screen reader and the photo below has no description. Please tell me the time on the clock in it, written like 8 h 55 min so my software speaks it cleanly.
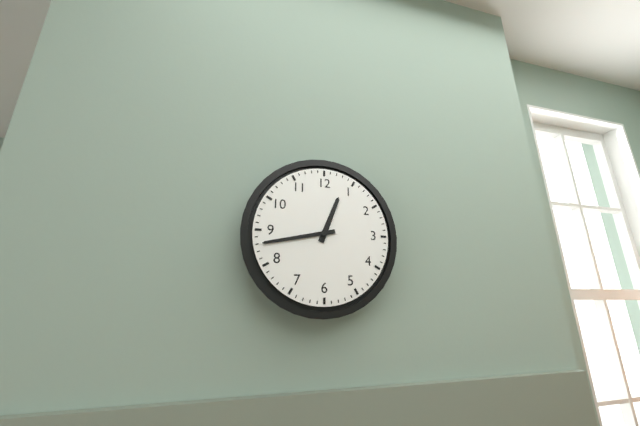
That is 12 h 43 min
